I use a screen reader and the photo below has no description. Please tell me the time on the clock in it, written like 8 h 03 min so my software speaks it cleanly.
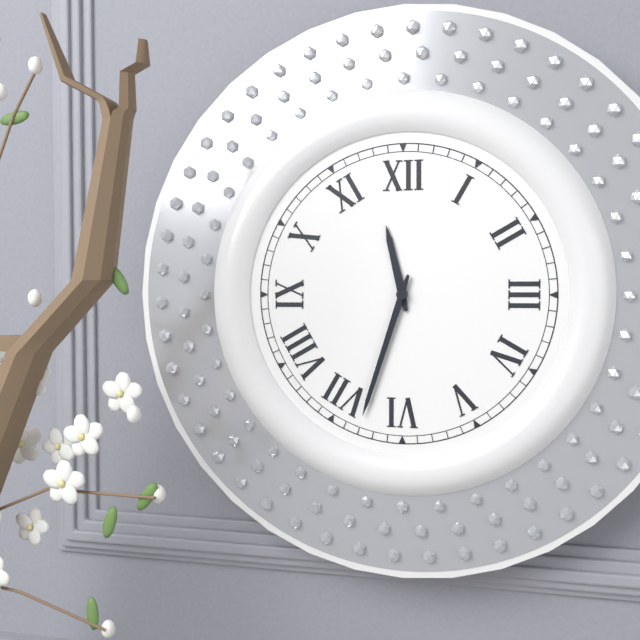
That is 11 h 33 min
